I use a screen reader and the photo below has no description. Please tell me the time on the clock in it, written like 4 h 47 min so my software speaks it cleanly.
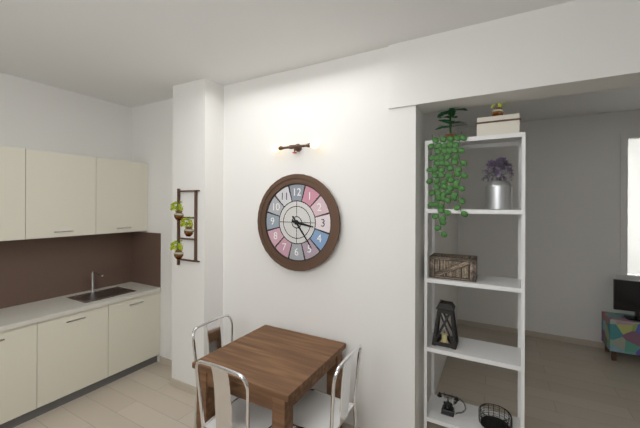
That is 3 h 24 min
